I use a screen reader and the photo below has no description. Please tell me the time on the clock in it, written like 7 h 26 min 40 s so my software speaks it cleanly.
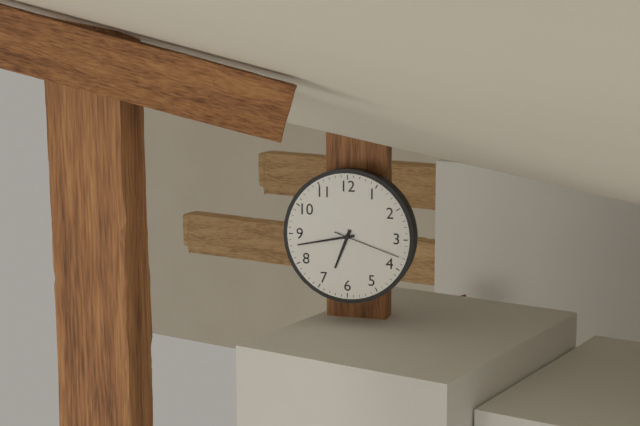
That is 6 h 43 min 18 s
